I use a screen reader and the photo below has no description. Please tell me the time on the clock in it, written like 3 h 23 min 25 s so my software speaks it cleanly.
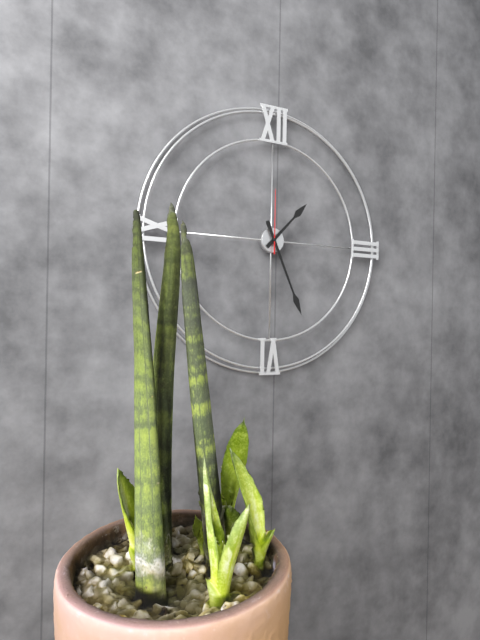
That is 1 h 26 min 00 s
